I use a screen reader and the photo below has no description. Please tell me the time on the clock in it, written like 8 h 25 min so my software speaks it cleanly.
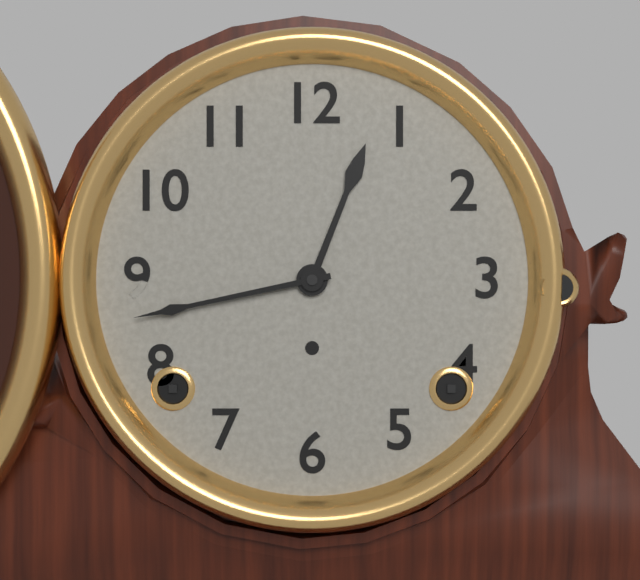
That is 12 h 43 min
